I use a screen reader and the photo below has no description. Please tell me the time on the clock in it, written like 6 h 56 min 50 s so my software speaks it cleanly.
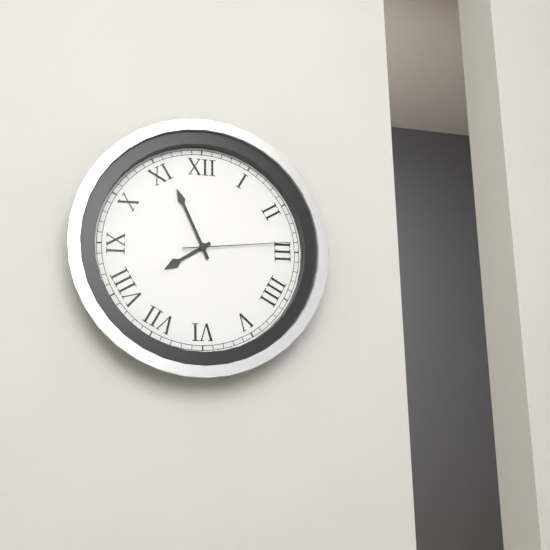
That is 7 h 56 min 14 s
